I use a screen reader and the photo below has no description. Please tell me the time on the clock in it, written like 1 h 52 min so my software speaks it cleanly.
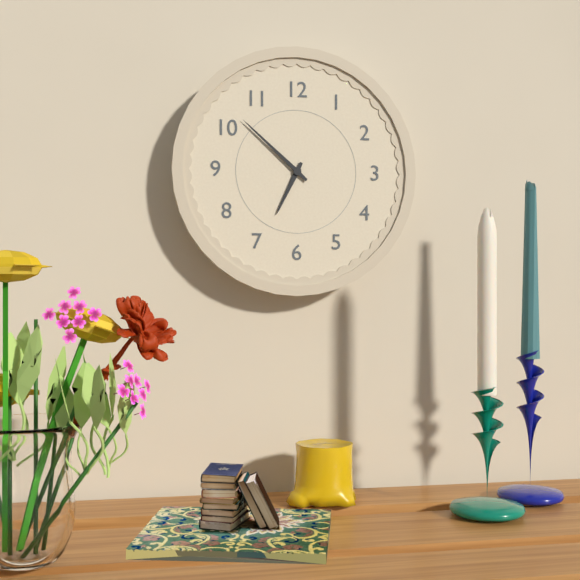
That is 6 h 52 min
